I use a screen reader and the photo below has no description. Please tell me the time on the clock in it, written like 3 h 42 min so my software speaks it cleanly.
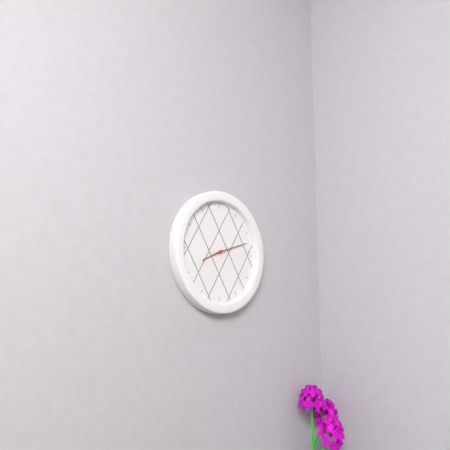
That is 8 h 12 min
